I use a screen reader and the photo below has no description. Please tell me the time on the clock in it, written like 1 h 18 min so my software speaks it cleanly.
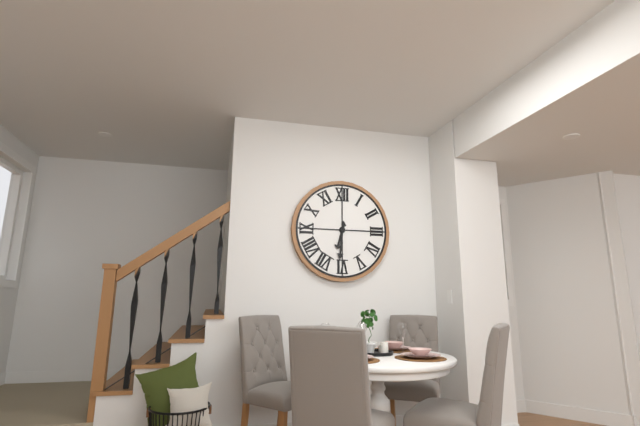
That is 6 h 31 min
